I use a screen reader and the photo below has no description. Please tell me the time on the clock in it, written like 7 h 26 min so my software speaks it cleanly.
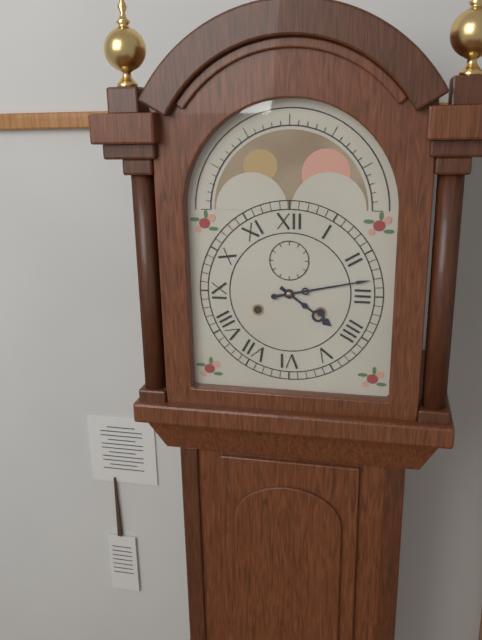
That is 4 h 13 min
